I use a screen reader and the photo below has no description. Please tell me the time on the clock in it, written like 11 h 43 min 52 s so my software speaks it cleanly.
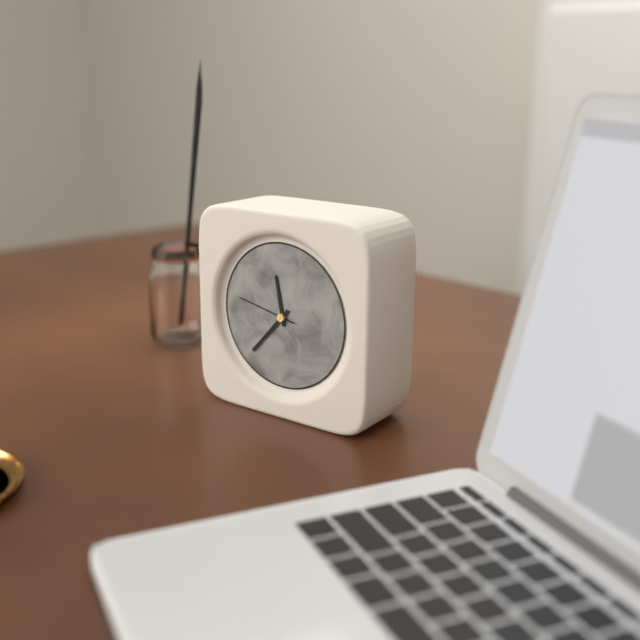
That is 11 h 37 min 47 s
